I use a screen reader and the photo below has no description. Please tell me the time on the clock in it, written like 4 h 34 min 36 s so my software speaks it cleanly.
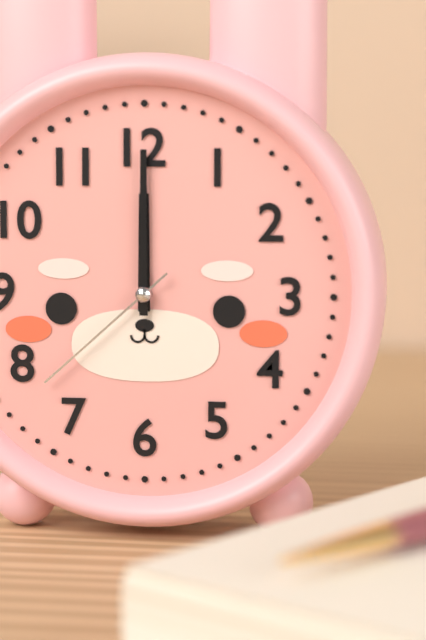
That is 12 h 00 min 38 s
